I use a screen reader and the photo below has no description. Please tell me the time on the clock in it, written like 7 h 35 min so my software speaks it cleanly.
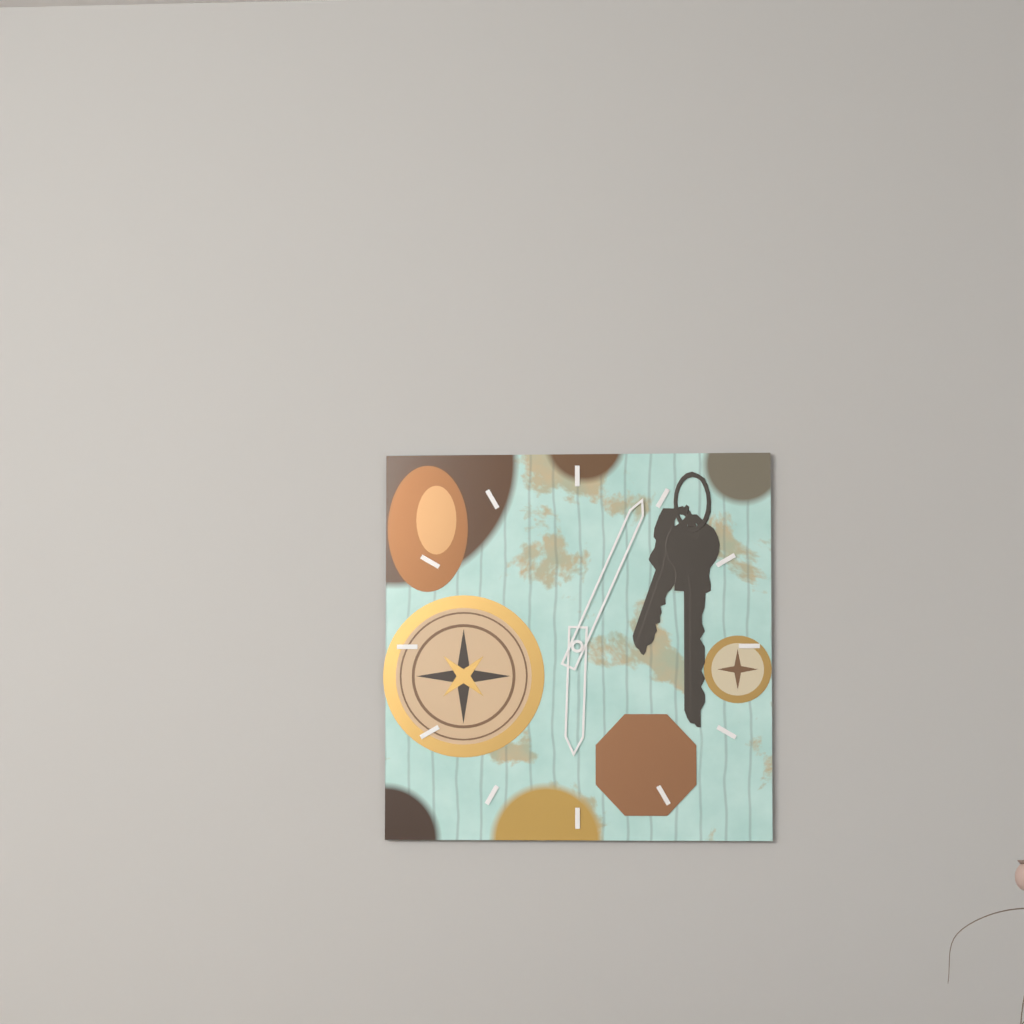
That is 6 h 04 min
